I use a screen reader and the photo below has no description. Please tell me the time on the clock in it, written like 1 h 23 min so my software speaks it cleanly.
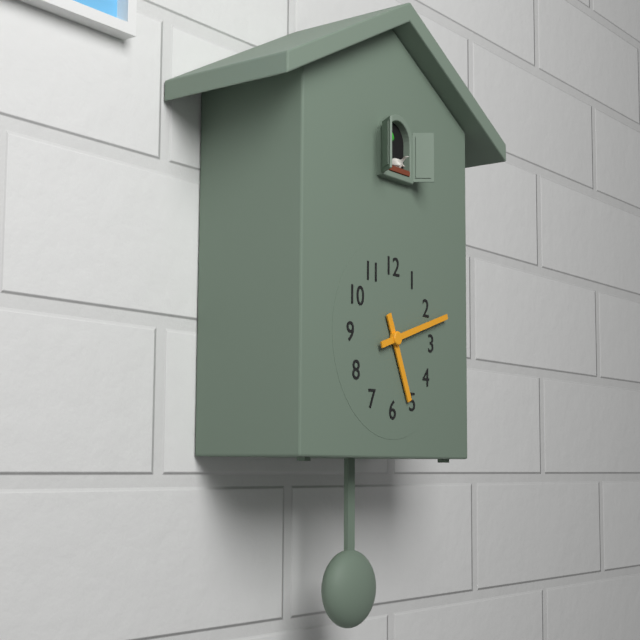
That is 5 h 12 min
